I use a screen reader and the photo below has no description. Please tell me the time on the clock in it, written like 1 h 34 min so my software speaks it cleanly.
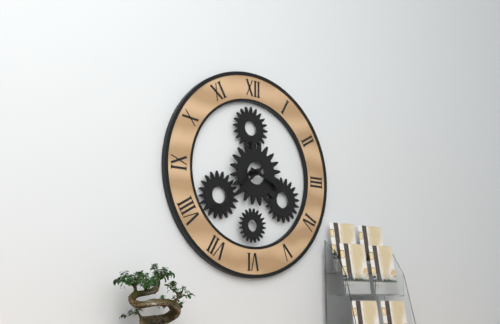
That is 3 h 38 min
